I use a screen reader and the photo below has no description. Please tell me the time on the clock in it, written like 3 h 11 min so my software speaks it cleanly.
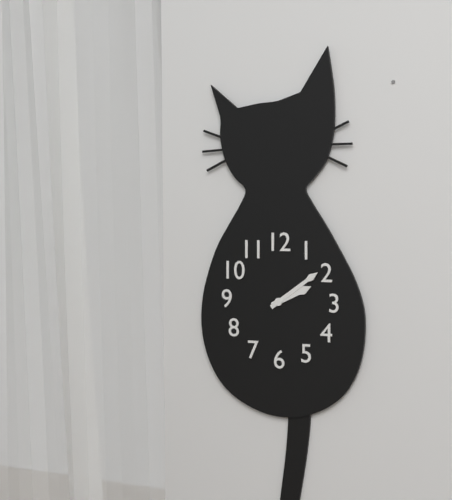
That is 2 h 09 min
